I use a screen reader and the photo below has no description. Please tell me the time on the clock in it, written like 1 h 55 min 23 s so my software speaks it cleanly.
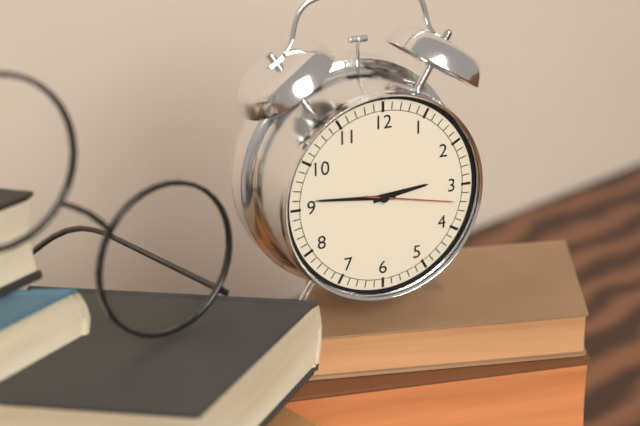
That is 2 h 46 min 17 s
